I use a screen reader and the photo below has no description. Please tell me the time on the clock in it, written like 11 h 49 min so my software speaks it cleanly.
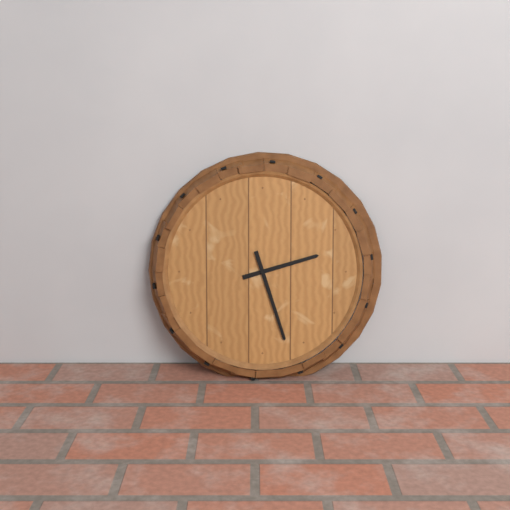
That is 2 h 27 min
